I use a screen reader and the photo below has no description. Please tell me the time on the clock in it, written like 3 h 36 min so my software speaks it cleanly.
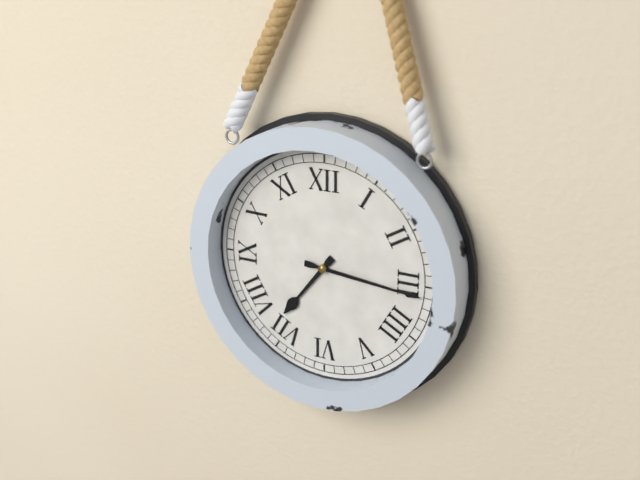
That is 7 h 16 min
